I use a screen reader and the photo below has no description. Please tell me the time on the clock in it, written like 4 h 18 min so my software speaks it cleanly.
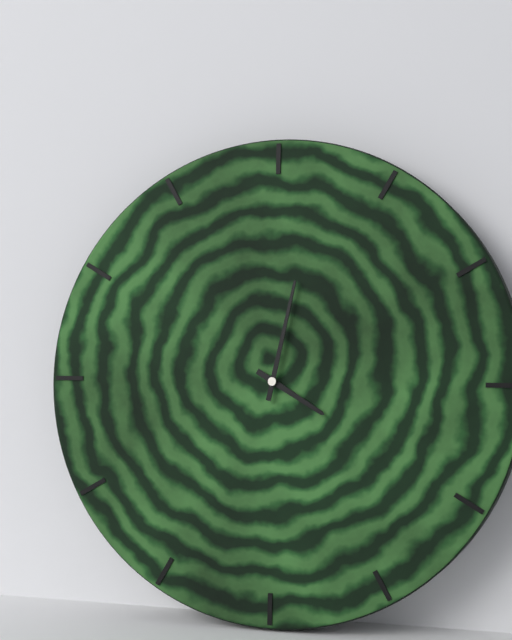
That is 4 h 02 min
